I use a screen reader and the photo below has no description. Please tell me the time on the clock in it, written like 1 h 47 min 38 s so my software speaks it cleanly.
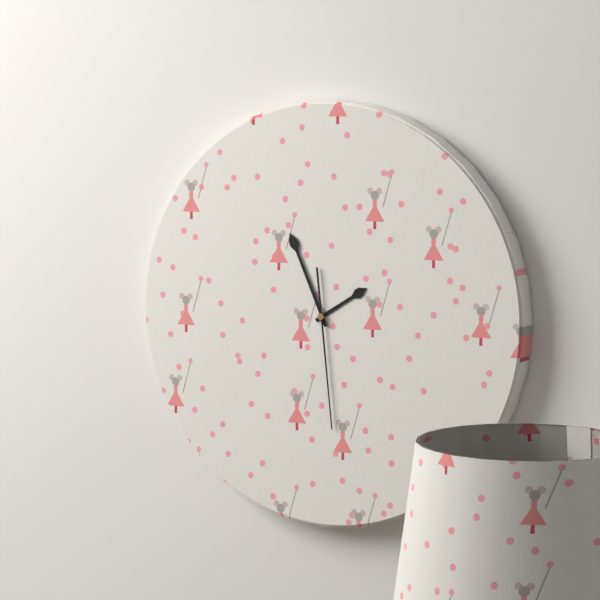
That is 1 h 56 min 29 s
